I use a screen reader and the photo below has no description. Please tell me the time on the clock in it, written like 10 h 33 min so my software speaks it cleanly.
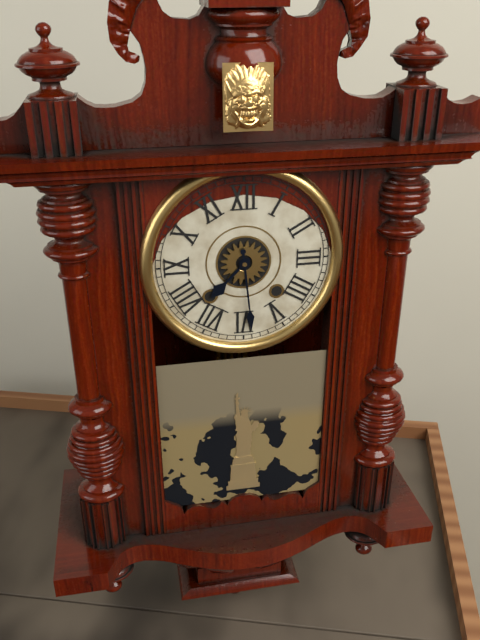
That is 7 h 29 min
